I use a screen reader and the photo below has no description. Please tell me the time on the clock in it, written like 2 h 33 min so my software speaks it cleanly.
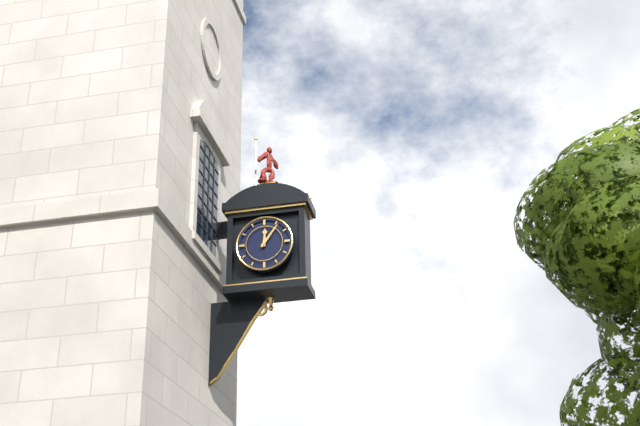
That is 12 h 06 min
